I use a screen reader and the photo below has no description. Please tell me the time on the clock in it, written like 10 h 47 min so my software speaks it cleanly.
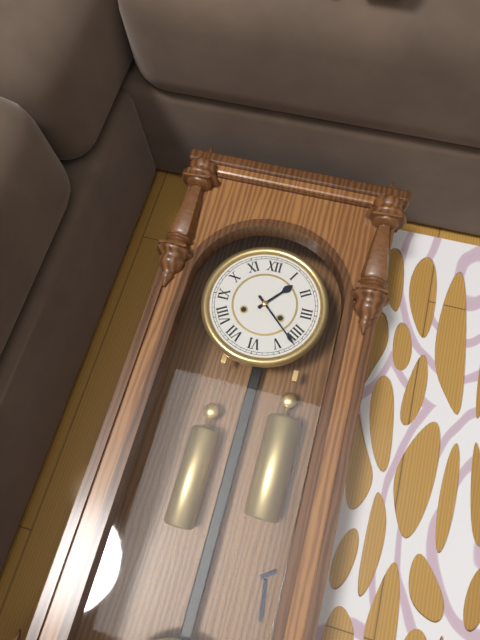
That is 1 h 22 min
